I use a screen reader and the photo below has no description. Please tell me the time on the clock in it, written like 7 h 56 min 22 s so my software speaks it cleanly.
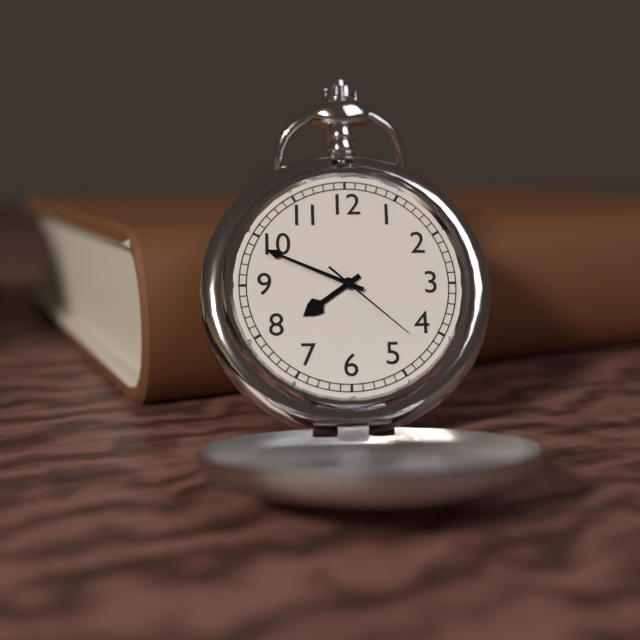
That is 7 h 49 min 22 s
